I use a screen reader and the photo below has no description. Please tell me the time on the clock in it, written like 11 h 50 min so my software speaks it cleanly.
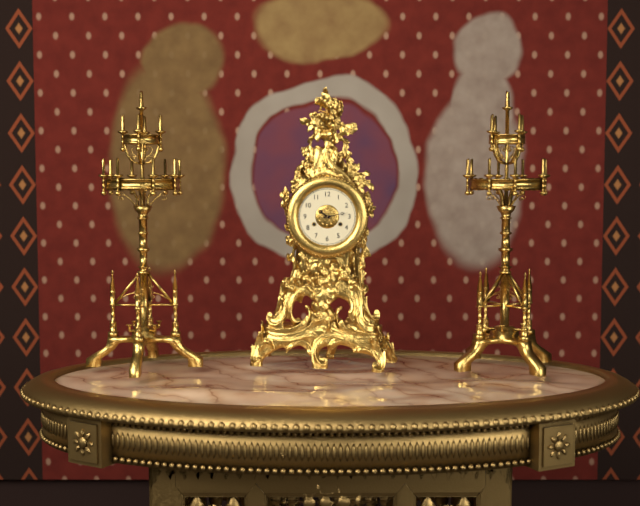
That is 10 h 13 min
